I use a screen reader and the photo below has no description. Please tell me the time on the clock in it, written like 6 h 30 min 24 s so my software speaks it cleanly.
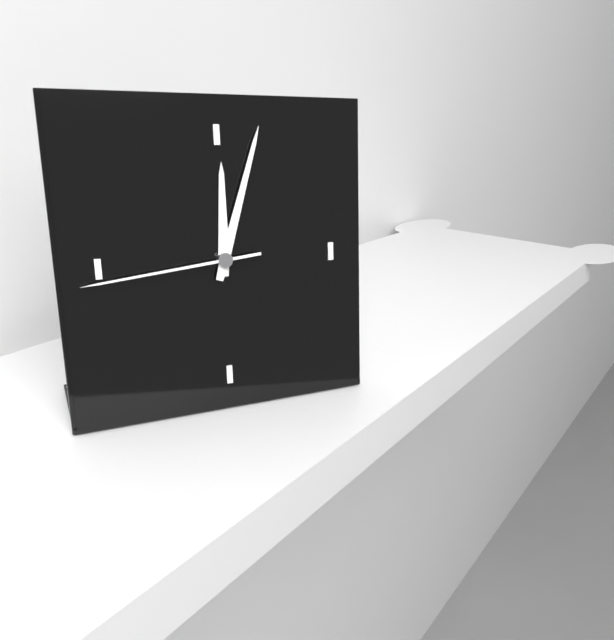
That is 12 h 03 min 44 s
